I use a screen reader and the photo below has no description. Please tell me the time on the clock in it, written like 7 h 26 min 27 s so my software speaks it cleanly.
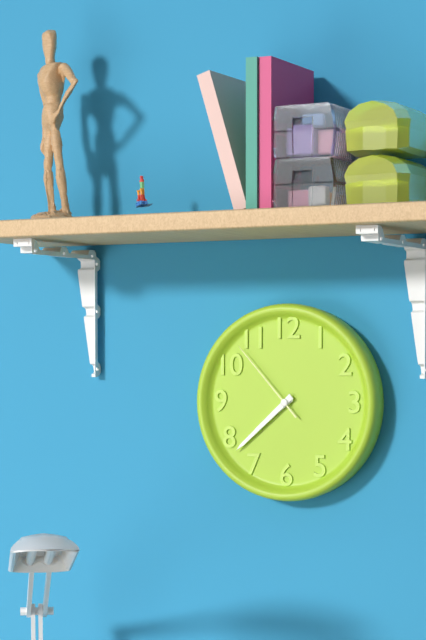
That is 7 h 38 min 53 s
